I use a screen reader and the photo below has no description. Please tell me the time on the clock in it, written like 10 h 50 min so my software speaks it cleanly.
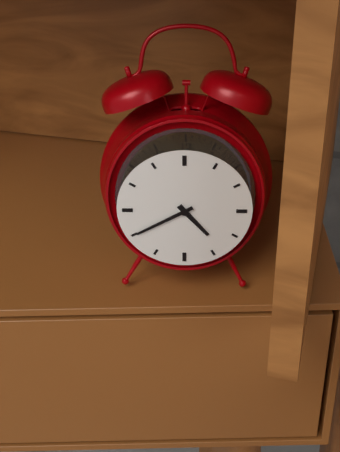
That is 4 h 40 min
